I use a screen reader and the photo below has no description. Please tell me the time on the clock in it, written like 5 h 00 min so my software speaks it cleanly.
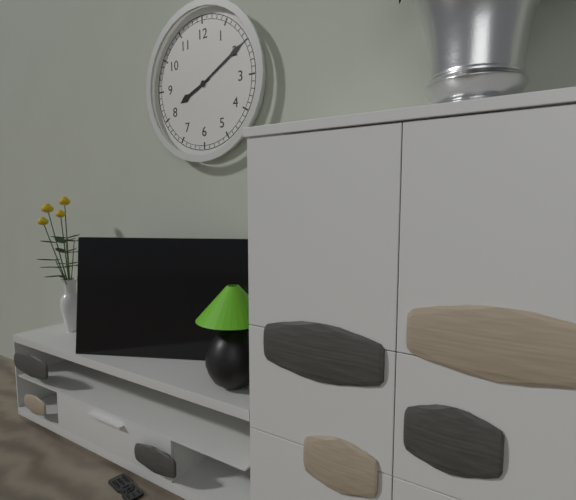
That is 8 h 10 min
